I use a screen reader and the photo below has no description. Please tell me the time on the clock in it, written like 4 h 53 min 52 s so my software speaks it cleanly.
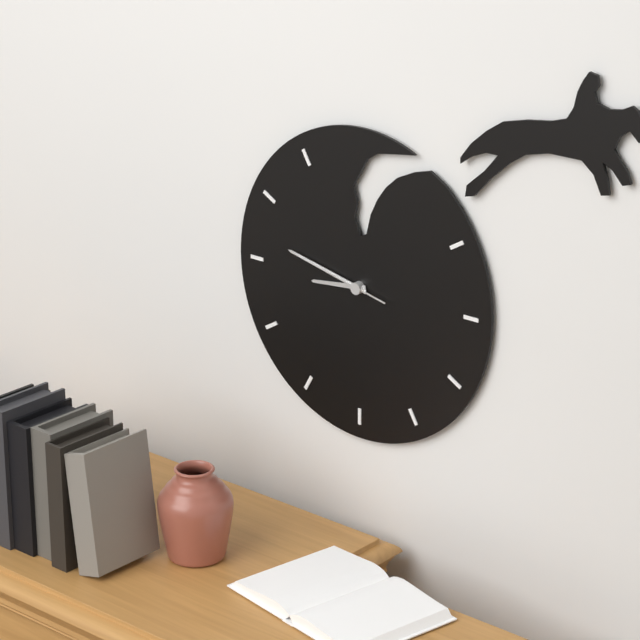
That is 8 h 47 min 47 s
